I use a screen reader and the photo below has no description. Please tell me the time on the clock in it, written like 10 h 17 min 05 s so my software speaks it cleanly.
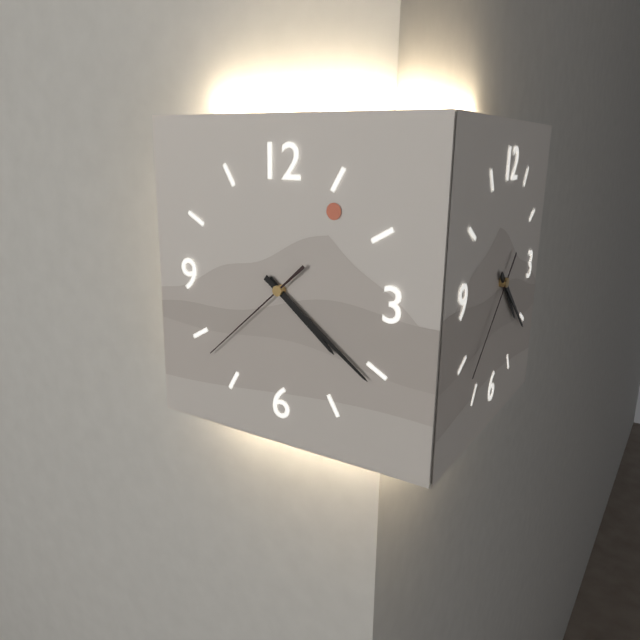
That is 4 h 21 min 38 s
